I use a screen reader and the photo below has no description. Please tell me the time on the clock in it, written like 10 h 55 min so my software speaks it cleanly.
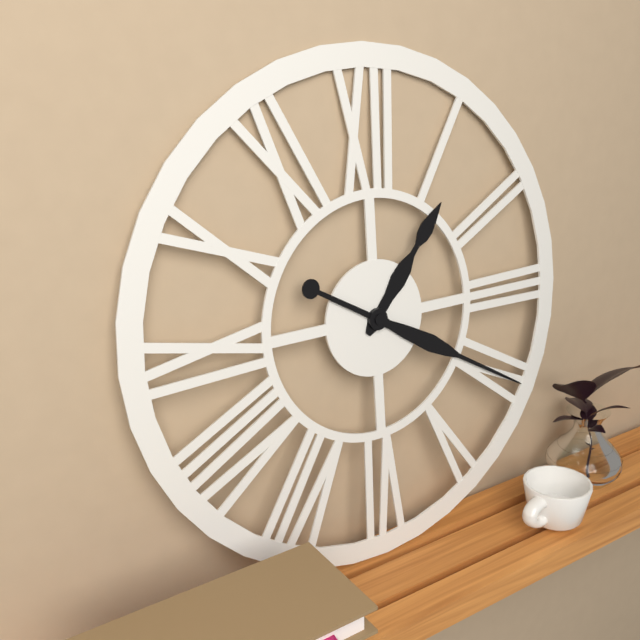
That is 1 h 20 min
